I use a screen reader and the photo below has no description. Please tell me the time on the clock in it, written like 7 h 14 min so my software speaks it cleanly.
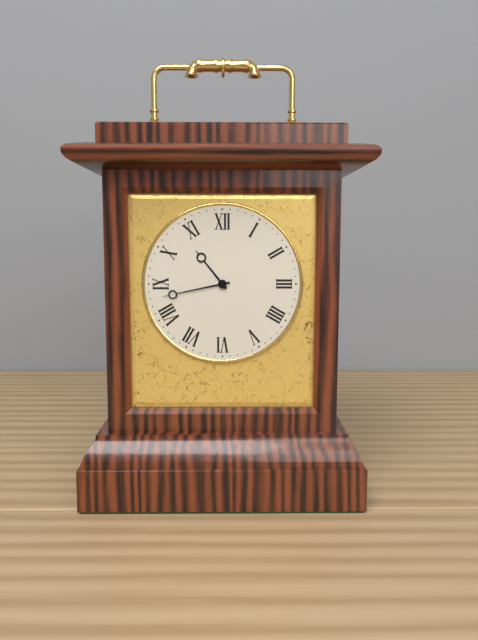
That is 10 h 43 min
